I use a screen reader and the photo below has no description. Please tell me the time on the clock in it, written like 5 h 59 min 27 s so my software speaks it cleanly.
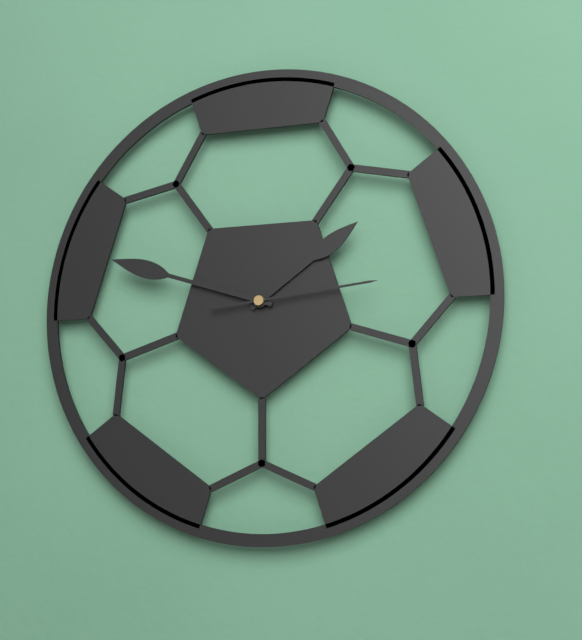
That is 1 h 48 min 14 s
